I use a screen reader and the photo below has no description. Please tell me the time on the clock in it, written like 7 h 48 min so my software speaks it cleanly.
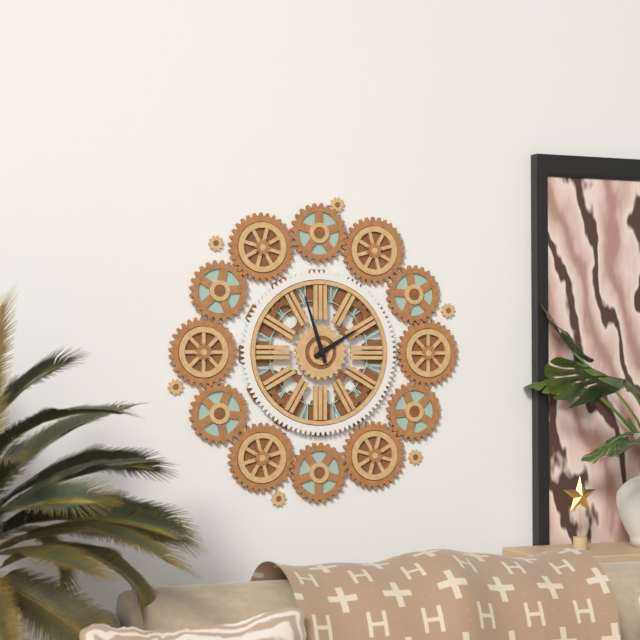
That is 1 h 57 min
